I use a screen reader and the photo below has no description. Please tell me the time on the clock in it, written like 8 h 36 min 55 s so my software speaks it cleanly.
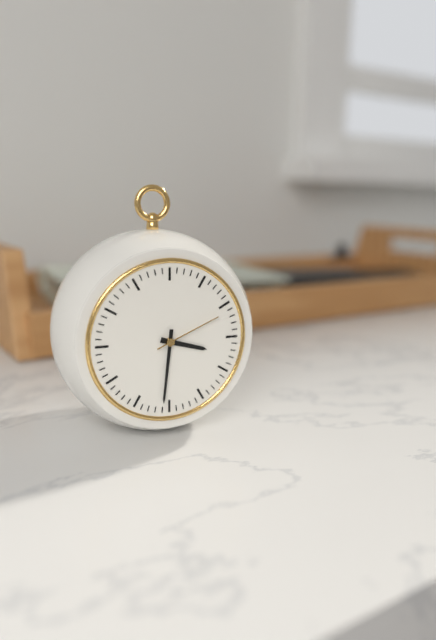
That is 3 h 31 min 11 s
